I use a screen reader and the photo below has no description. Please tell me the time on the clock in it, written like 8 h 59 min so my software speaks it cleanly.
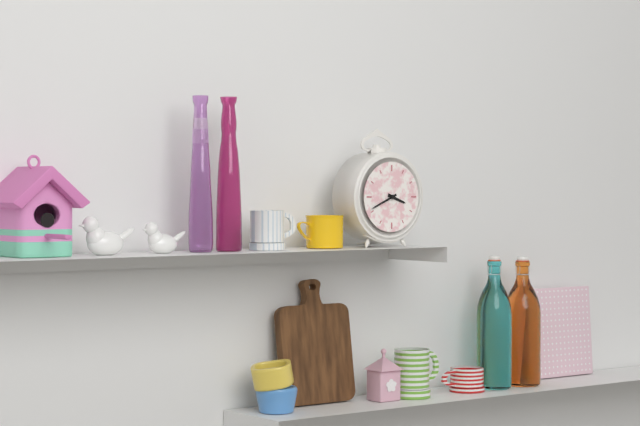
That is 3 h 41 min
